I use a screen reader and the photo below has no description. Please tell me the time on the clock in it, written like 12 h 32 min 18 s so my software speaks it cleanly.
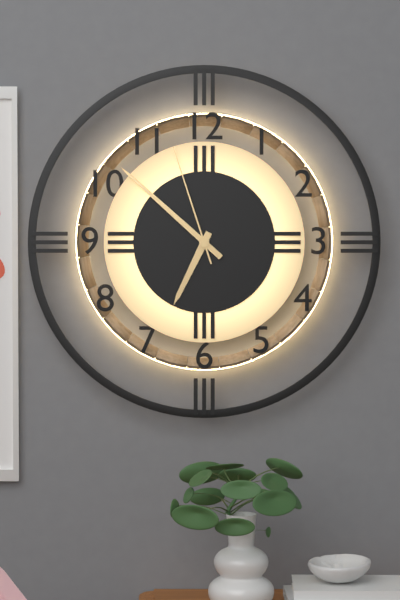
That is 6 h 52 min 57 s
